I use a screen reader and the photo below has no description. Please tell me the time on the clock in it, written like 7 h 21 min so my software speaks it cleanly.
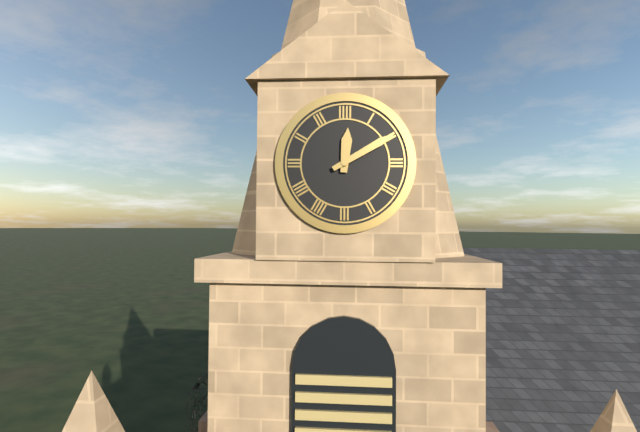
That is 12 h 10 min
